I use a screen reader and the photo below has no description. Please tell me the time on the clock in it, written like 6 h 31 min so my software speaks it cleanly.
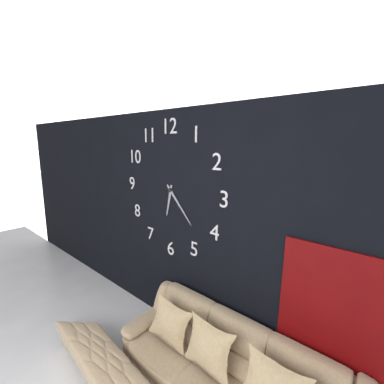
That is 6 h 23 min
